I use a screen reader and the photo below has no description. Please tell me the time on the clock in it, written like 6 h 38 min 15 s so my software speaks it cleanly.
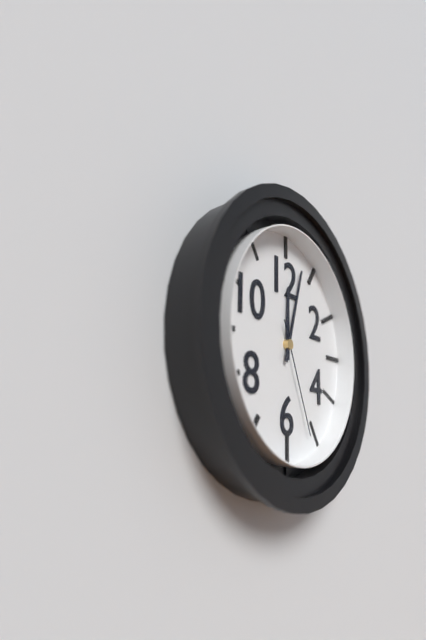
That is 12 h 03 min 26 s
